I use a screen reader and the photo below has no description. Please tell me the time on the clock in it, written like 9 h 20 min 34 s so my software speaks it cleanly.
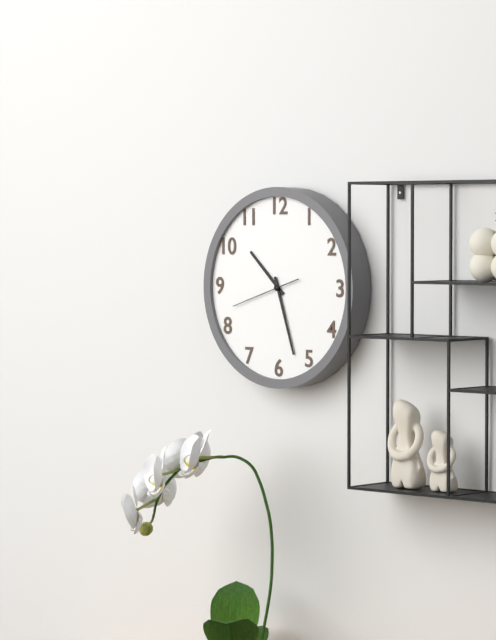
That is 10 h 27 min 42 s
